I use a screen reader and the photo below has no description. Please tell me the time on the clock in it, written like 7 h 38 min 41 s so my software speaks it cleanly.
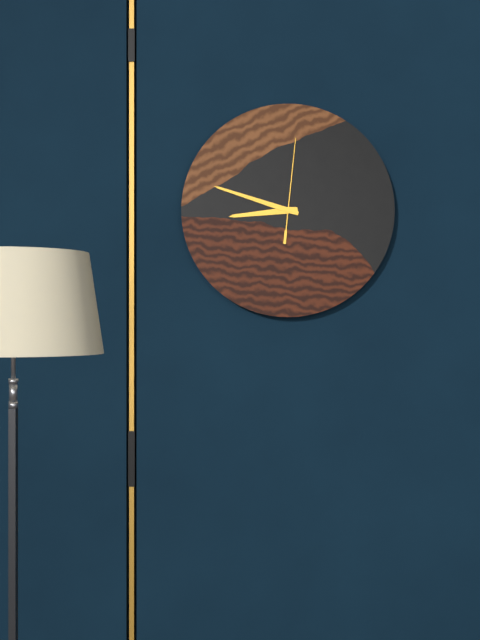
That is 8 h 48 min 01 s
